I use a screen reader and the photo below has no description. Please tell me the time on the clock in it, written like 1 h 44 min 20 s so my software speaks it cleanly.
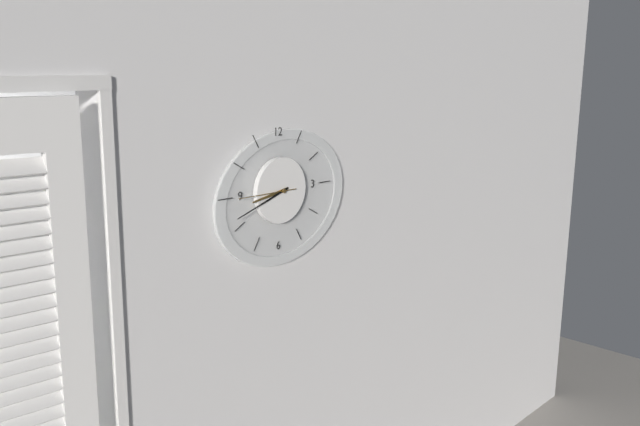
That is 8 h 42 min 45 s
